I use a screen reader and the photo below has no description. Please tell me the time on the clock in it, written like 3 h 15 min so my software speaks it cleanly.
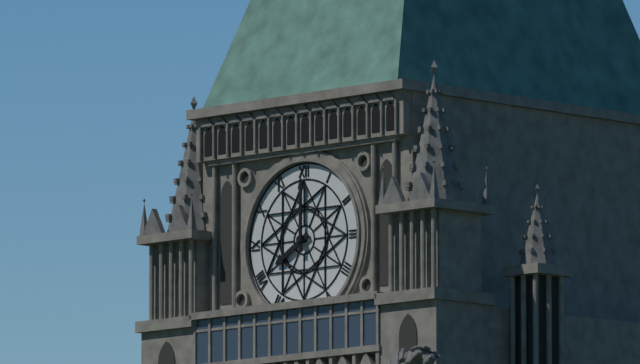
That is 8 h 00 min
